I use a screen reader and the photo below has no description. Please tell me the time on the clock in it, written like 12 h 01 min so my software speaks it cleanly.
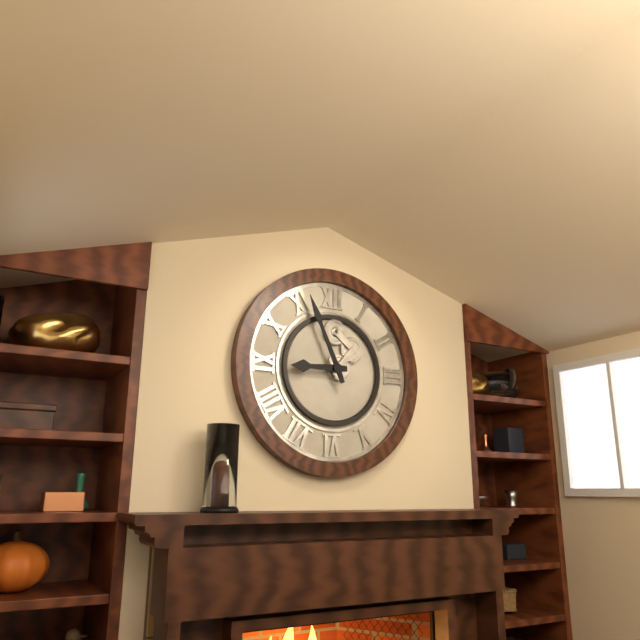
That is 8 h 56 min
